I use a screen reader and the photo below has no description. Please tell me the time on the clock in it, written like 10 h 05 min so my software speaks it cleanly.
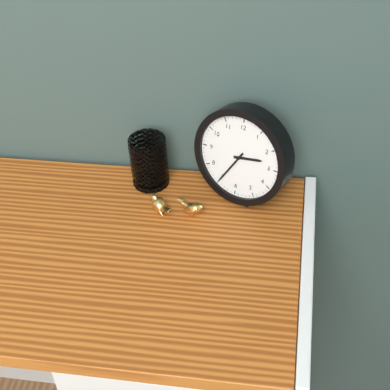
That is 2 h 35 min
